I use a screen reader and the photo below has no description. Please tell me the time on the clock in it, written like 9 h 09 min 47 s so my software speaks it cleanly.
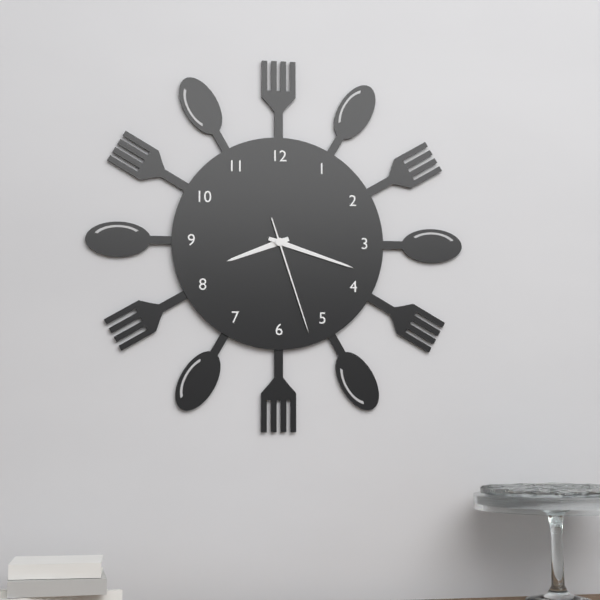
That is 8 h 18 min 27 s
